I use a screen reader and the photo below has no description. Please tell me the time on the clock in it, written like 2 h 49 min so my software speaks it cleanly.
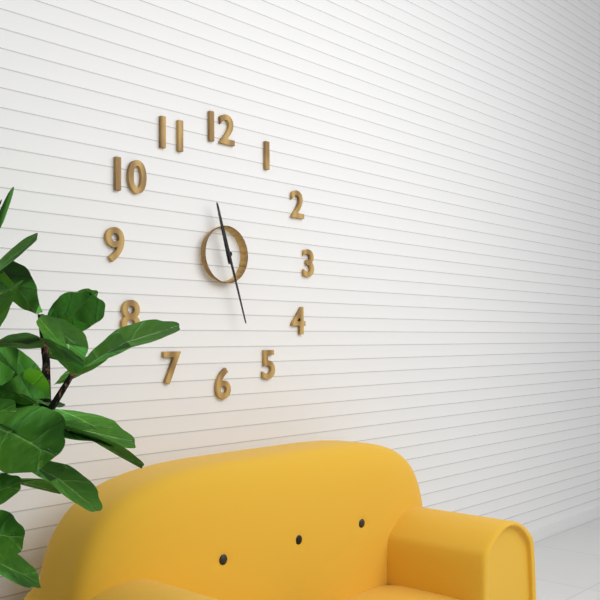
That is 11 h 27 min
